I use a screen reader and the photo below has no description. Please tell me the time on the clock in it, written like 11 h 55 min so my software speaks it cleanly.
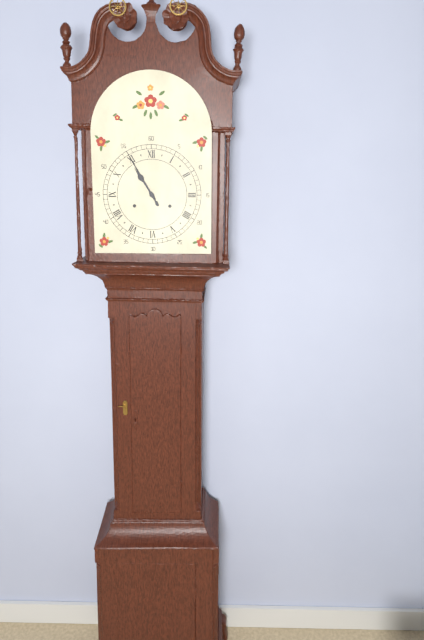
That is 10 h 55 min
